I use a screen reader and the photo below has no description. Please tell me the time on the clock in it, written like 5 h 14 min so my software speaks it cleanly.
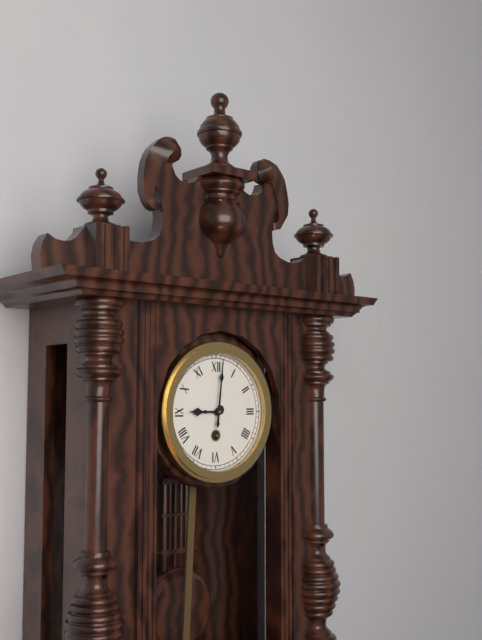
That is 9 h 01 min
